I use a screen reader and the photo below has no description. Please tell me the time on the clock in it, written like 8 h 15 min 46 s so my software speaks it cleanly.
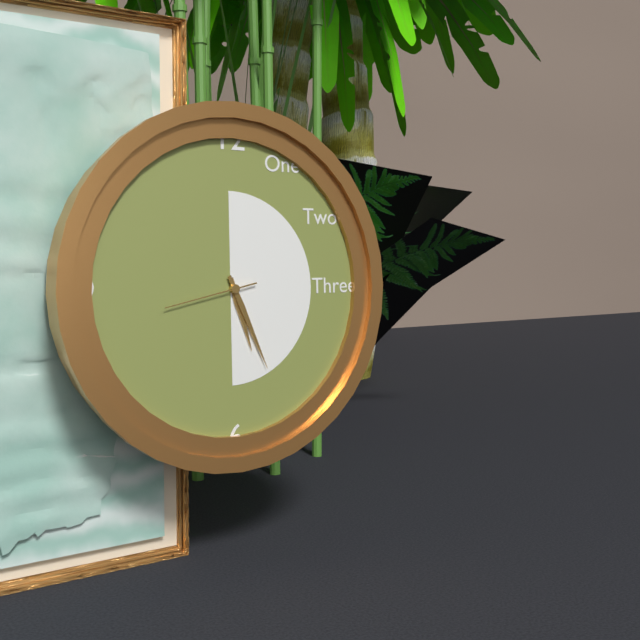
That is 5 h 26 min 43 s
